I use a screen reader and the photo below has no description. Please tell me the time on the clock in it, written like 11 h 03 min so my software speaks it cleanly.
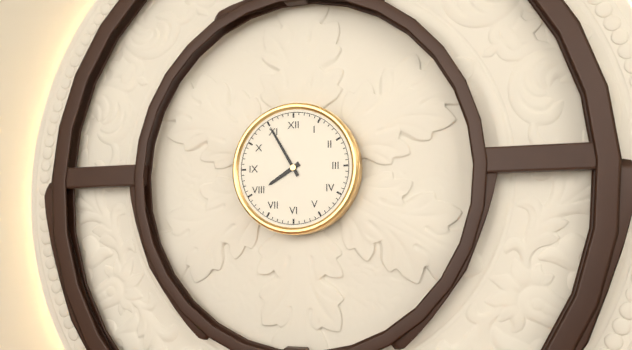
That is 7 h 55 min
